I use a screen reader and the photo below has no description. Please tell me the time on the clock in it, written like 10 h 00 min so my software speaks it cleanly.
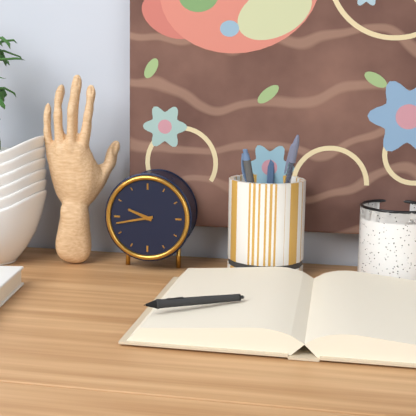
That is 9 h 43 min
